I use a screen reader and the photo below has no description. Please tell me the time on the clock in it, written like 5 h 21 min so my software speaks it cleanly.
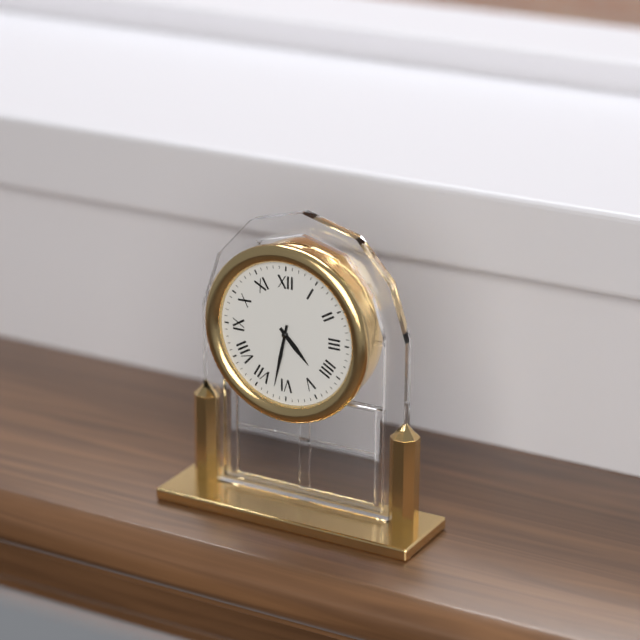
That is 4 h 32 min
